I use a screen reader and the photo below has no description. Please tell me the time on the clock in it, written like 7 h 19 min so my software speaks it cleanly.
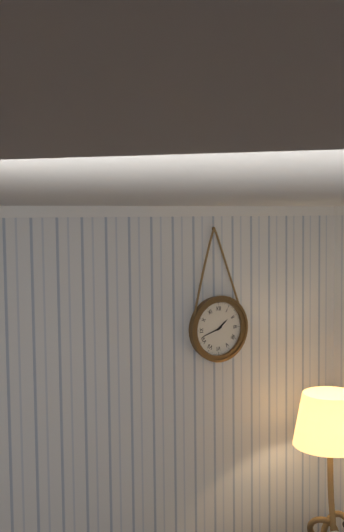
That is 1 h 42 min
